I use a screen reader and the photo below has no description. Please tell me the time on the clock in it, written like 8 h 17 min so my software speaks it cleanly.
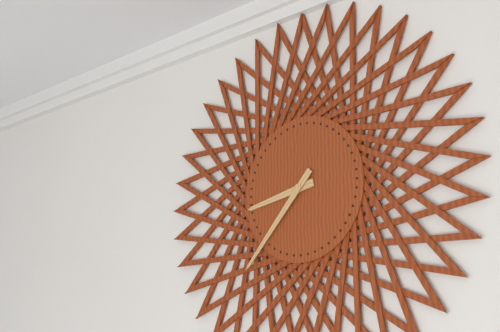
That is 8 h 37 min
